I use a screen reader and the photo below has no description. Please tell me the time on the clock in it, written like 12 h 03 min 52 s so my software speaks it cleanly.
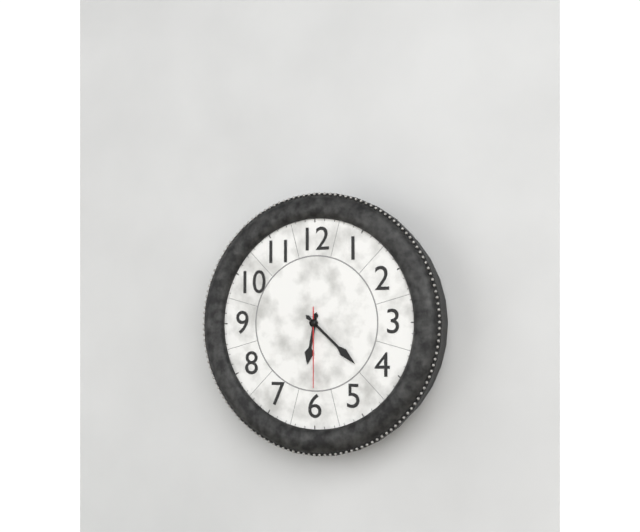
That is 6 h 22 min 30 s
